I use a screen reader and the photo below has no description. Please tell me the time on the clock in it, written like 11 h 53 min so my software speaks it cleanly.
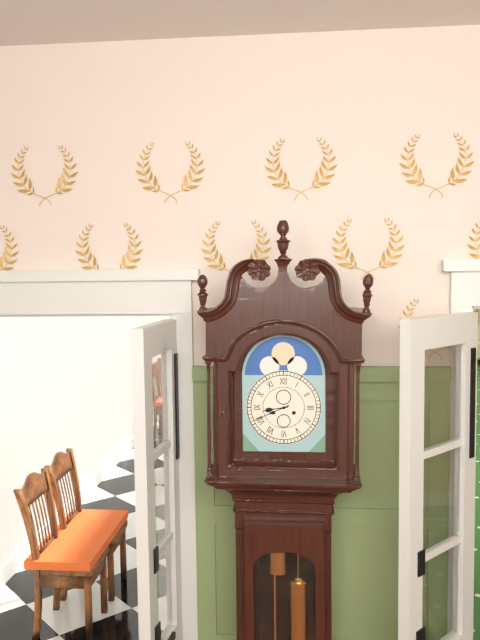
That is 8 h 41 min
